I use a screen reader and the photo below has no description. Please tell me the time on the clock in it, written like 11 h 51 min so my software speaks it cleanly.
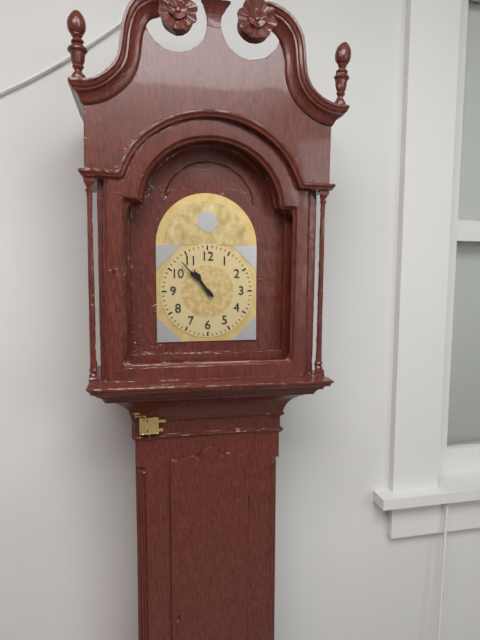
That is 10 h 53 min
